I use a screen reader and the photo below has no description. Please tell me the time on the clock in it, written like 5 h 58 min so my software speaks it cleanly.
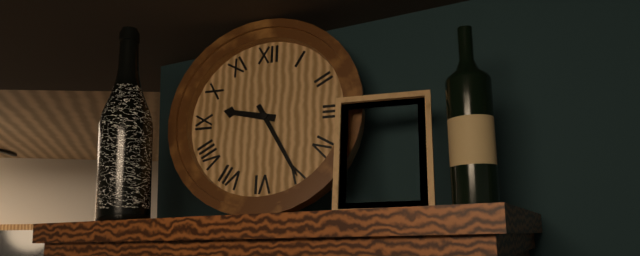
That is 9 h 25 min
